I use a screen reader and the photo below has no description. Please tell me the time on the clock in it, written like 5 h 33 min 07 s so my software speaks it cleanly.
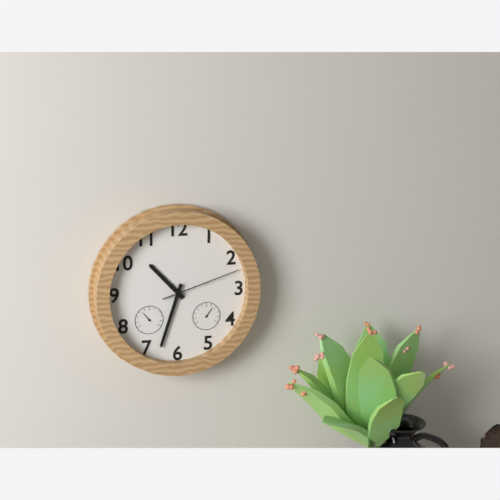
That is 10 h 33 min 12 s
